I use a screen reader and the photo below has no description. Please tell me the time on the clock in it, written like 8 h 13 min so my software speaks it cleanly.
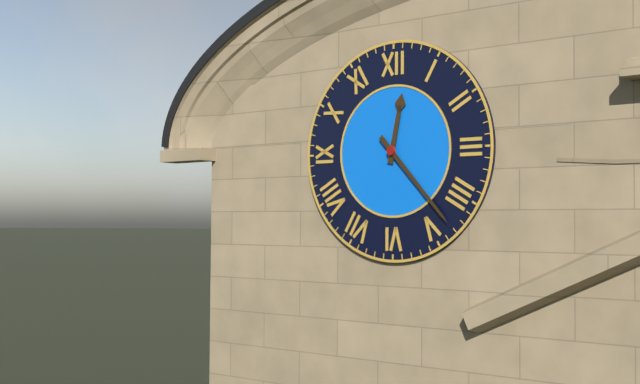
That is 12 h 23 min
